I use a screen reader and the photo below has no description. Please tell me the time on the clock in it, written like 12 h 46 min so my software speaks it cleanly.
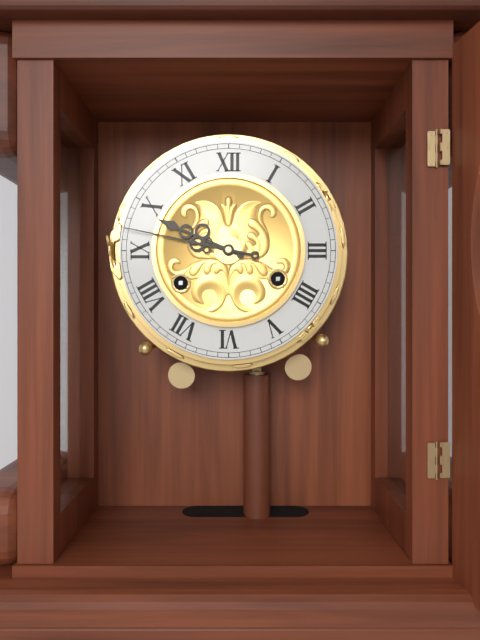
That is 9 h 47 min
